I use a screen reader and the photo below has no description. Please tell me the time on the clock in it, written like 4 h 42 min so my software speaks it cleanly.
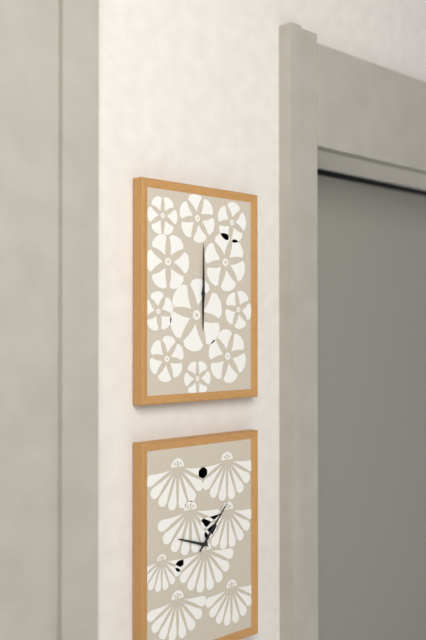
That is 6 h 00 min
